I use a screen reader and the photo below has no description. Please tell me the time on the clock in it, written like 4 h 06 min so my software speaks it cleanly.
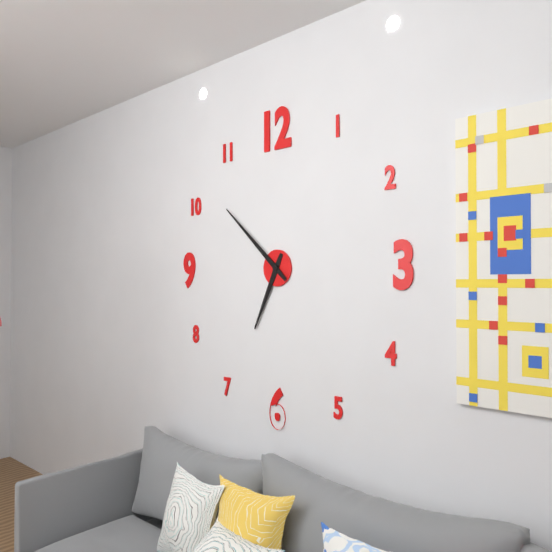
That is 6 h 52 min
